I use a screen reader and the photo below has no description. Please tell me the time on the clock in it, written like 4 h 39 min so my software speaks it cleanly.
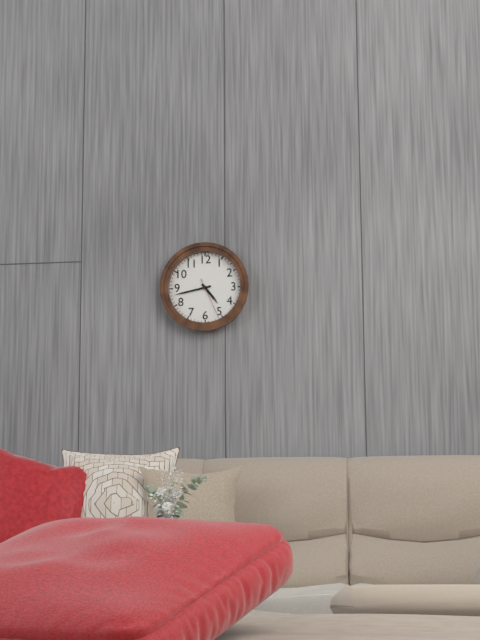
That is 4 h 43 min
